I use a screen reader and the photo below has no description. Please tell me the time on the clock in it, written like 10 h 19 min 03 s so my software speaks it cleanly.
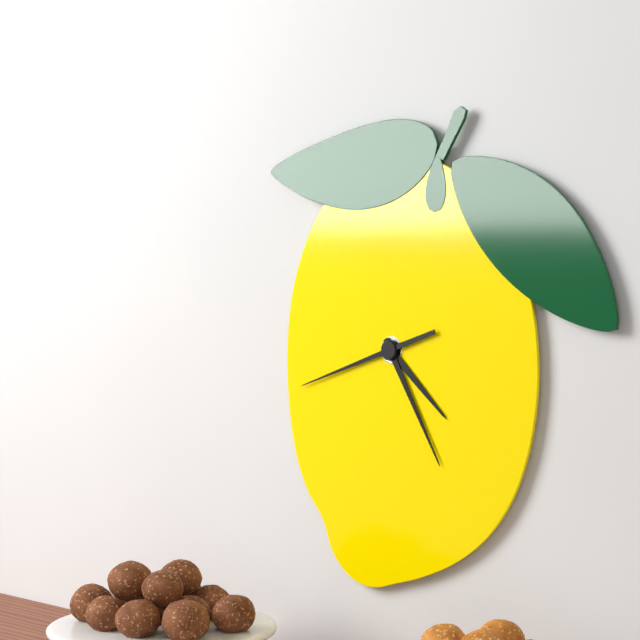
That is 4 h 25 min 42 s
